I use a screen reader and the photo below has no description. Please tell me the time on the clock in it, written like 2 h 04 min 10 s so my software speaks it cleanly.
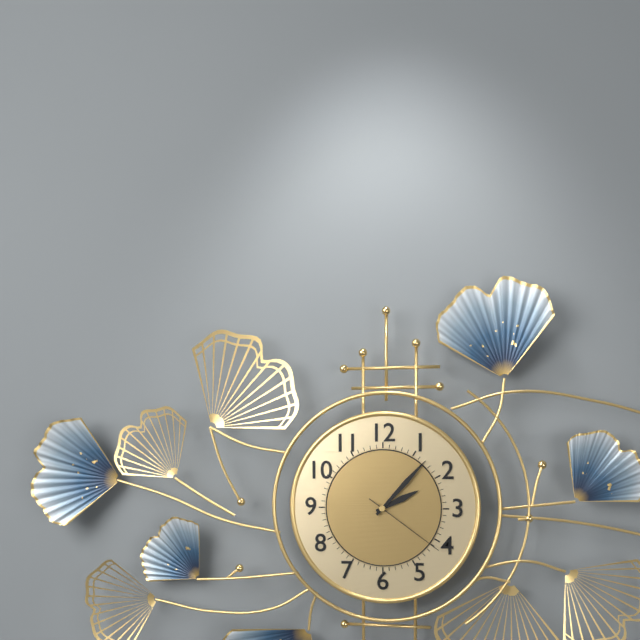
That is 2 h 07 min 21 s
